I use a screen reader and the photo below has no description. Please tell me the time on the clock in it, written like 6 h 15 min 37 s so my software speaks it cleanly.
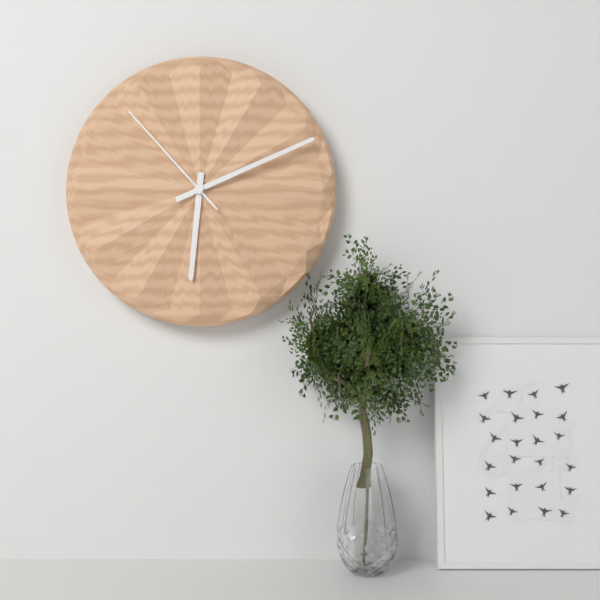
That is 6 h 11 min 53 s
